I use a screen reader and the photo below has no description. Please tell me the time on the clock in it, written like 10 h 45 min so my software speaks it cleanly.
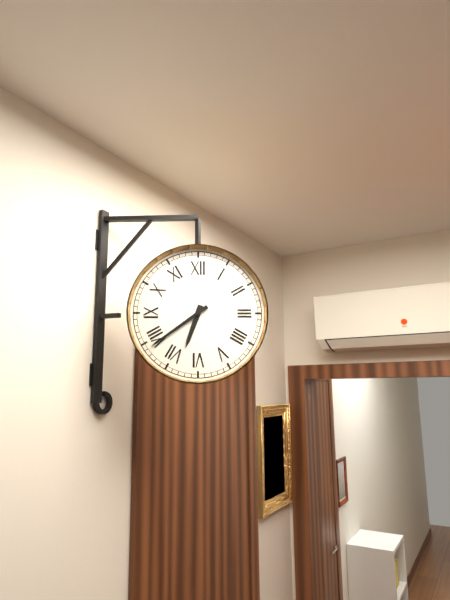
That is 6 h 39 min
